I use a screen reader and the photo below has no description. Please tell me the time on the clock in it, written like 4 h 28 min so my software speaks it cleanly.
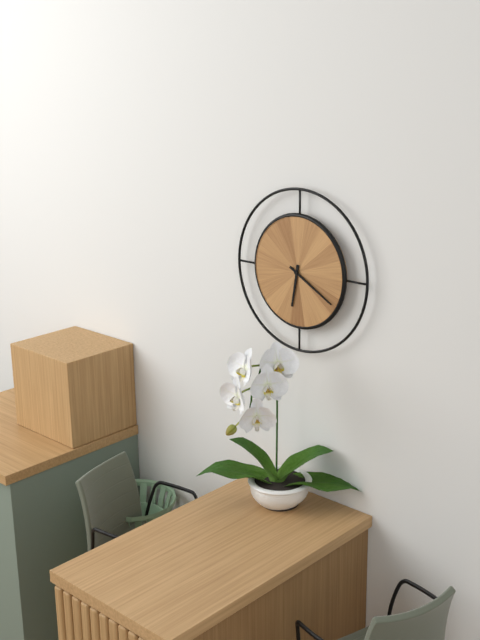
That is 6 h 20 min
